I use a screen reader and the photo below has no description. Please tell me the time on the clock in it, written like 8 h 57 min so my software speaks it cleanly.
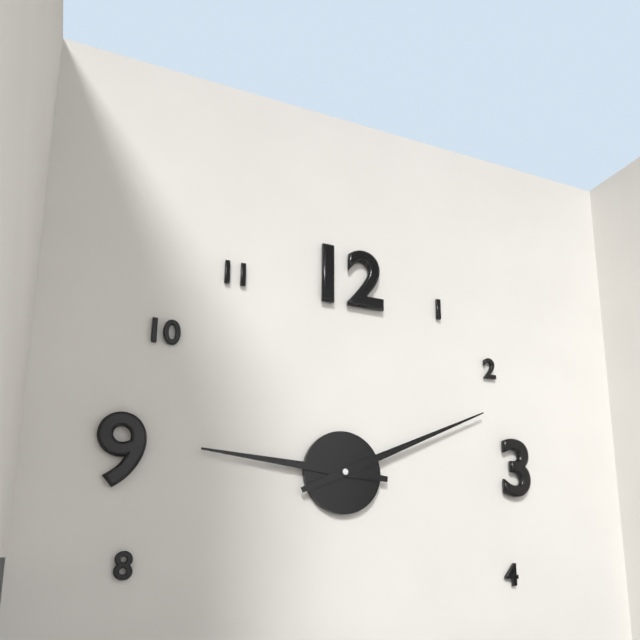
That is 9 h 11 min
